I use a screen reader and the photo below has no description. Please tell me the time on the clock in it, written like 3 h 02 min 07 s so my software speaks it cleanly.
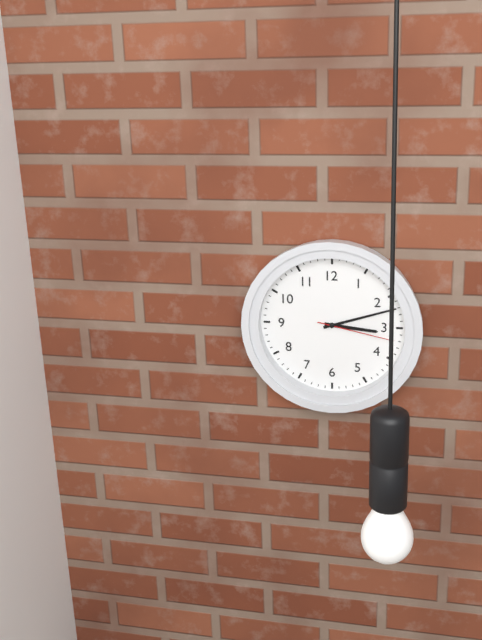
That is 3 h 12 min 17 s
